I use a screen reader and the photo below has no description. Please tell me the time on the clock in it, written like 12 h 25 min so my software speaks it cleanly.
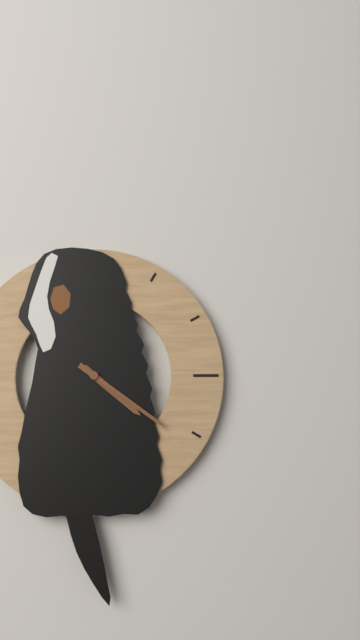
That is 4 h 21 min
